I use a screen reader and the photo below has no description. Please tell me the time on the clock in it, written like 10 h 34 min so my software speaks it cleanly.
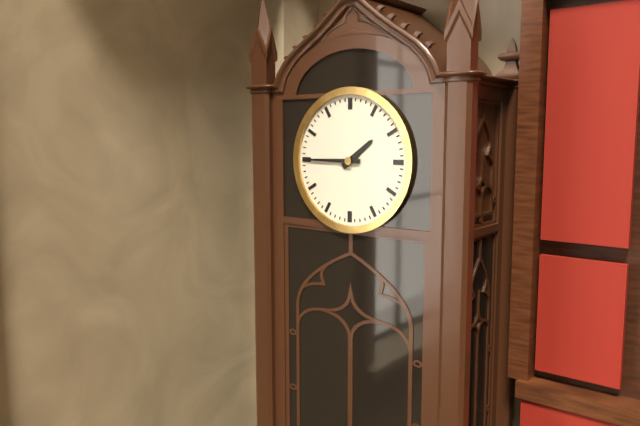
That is 1 h 45 min
